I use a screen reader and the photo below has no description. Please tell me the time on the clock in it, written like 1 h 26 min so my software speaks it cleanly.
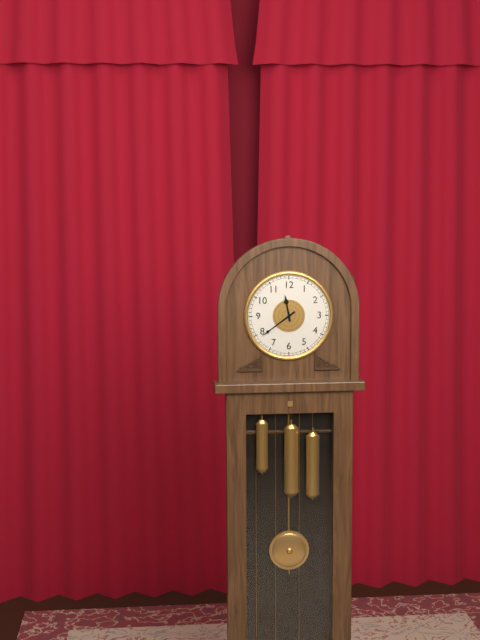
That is 11 h 39 min
